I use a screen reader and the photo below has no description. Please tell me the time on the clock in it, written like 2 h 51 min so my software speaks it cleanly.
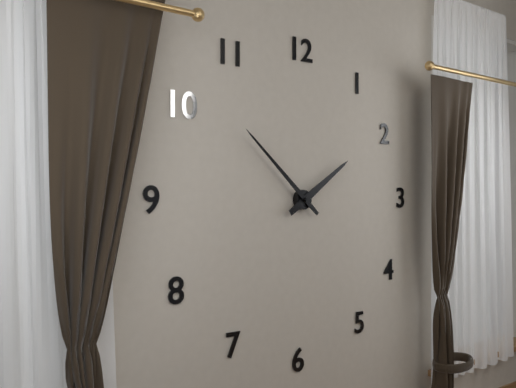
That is 1 h 52 min
